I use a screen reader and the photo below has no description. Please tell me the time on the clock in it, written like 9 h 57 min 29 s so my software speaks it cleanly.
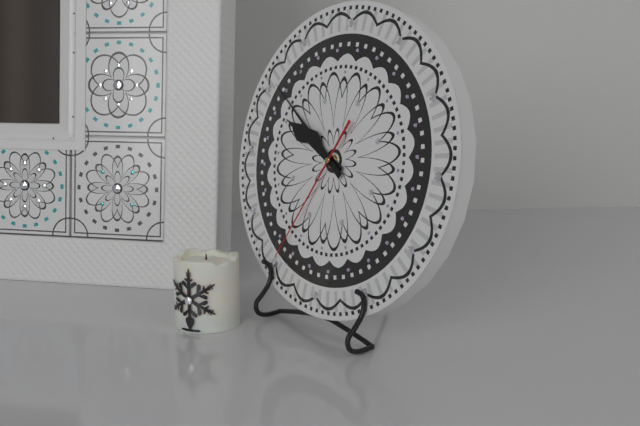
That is 9 h 51 min 35 s
